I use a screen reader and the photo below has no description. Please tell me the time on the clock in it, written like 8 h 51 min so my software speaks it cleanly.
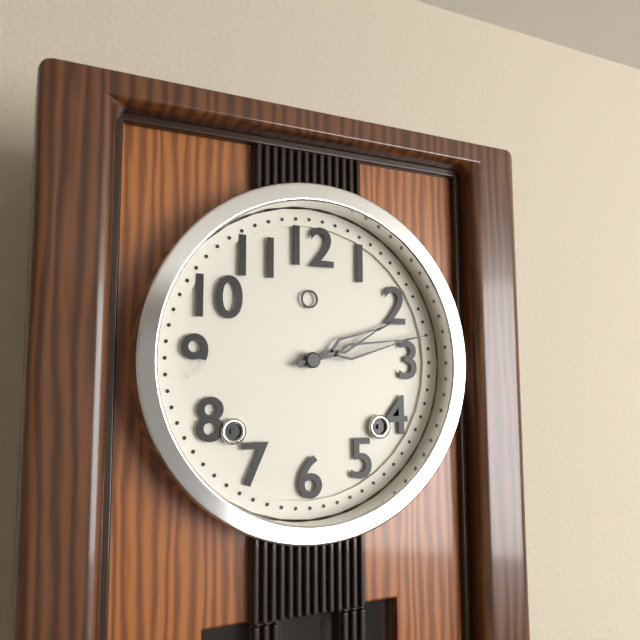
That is 2 h 13 min
